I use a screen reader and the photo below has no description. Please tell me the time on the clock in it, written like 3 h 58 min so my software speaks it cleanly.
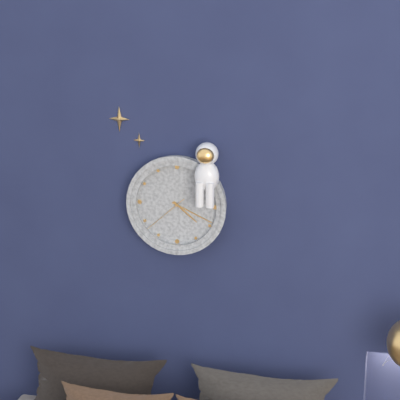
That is 4 h 19 min
